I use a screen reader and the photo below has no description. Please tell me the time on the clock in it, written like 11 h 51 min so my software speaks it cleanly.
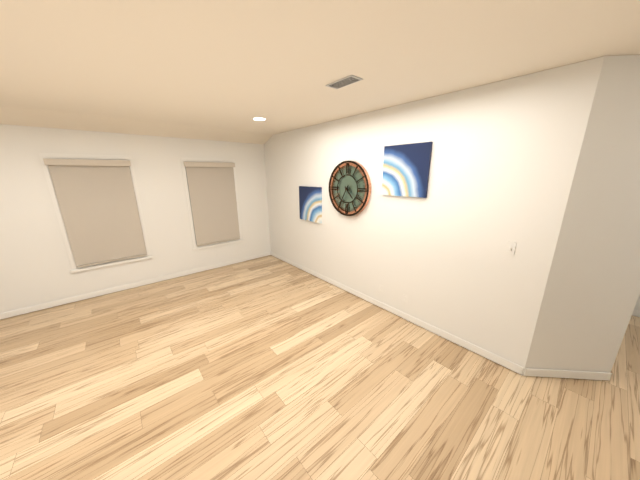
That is 4 h 35 min
